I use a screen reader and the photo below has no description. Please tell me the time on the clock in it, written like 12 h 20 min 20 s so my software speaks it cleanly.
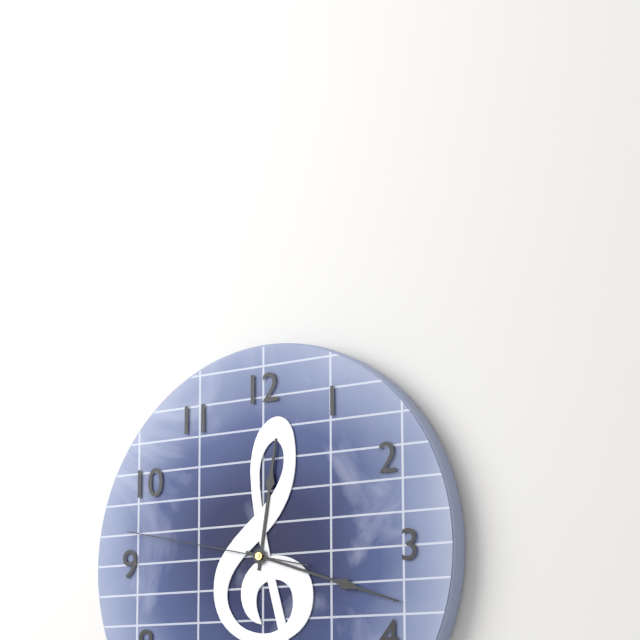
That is 12 h 18 min 47 s
